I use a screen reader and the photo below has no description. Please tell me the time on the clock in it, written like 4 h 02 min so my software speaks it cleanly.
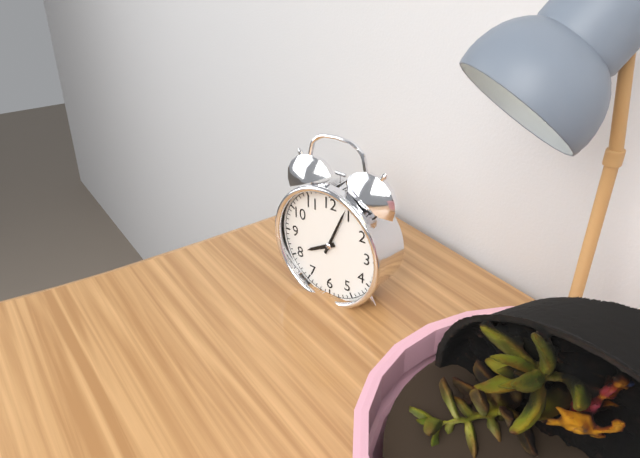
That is 8 h 04 min
